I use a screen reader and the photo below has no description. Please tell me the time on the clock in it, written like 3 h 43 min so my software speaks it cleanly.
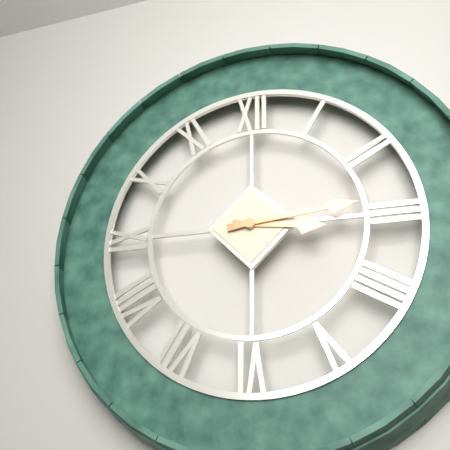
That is 3 h 14 min
